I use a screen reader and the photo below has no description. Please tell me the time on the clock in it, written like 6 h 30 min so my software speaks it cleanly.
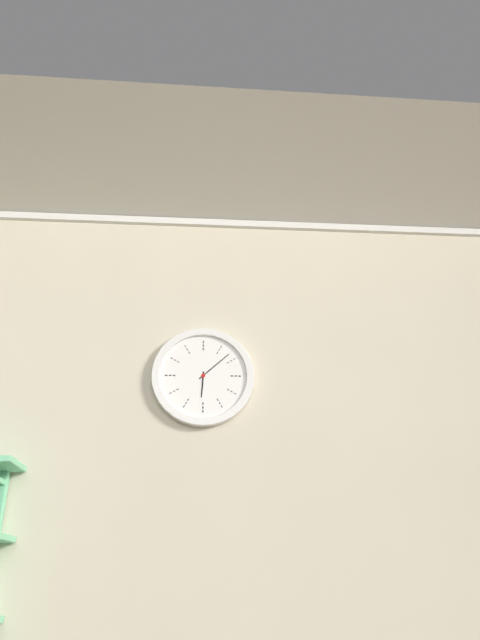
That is 6 h 08 min
